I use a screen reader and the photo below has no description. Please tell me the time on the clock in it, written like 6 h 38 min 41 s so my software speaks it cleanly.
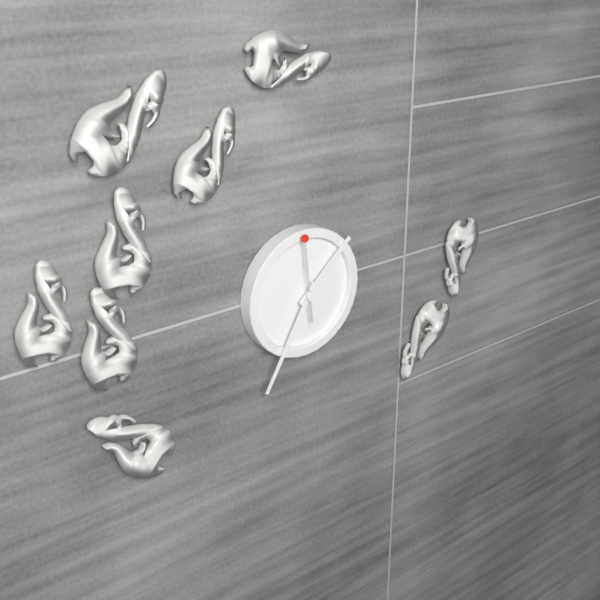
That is 1 h 35 min 59 s
